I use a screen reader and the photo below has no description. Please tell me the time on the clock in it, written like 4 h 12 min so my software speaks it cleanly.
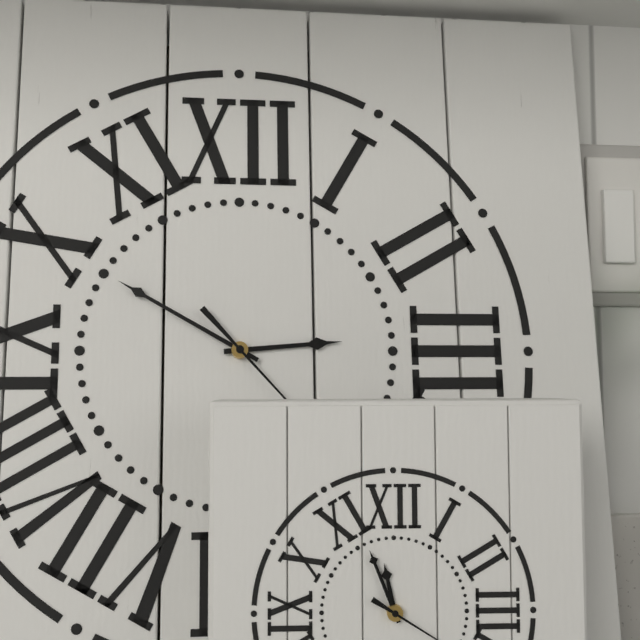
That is 2 h 50 min
